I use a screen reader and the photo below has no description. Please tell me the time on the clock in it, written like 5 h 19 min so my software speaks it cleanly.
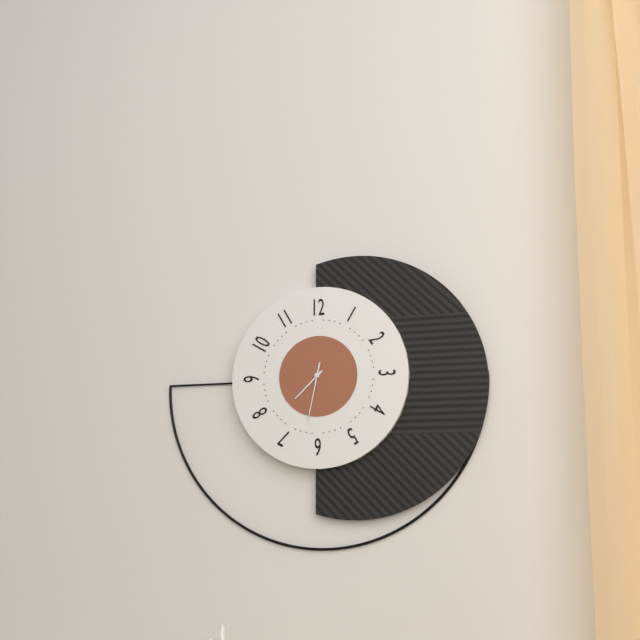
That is 7 h 32 min
